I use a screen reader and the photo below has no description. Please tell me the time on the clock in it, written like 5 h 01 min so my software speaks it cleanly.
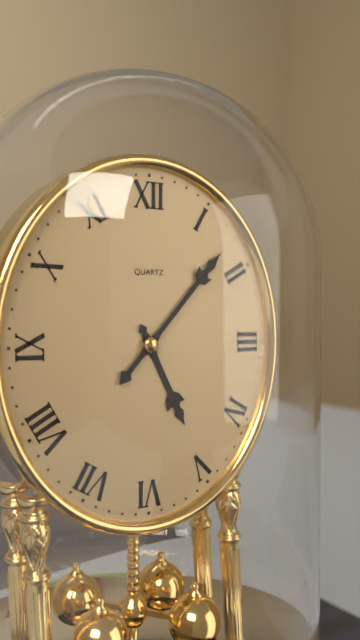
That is 5 h 07 min
